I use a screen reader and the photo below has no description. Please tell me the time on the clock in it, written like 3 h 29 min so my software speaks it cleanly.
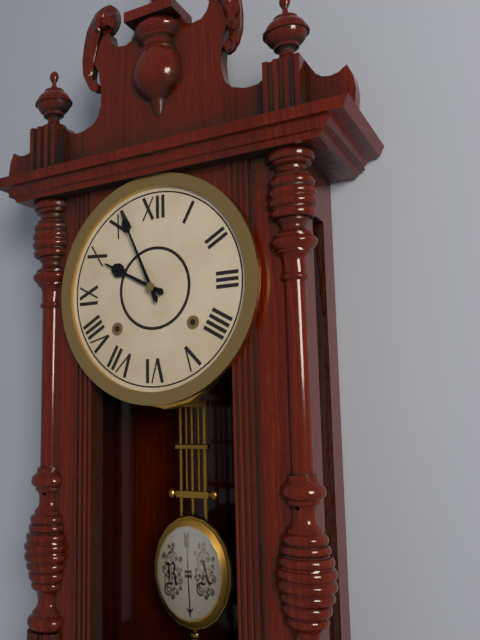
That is 9 h 56 min
